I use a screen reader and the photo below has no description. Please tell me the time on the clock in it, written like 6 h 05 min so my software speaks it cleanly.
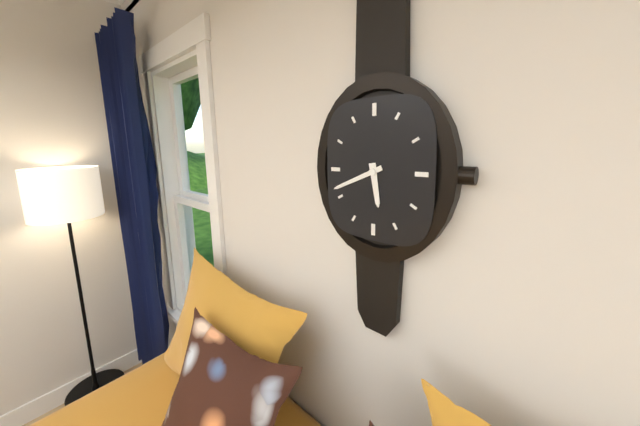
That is 5 h 41 min
